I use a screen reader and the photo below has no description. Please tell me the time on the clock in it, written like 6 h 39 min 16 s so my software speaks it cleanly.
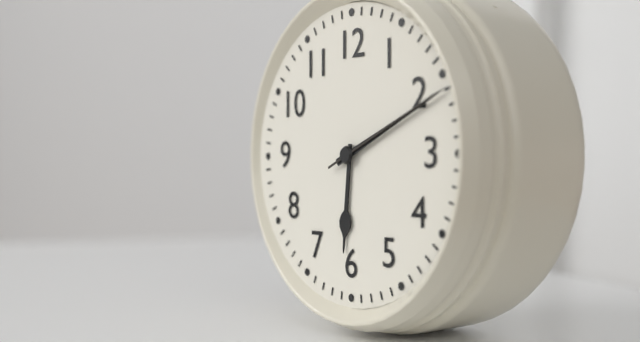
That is 6 h 11 min 11 s
